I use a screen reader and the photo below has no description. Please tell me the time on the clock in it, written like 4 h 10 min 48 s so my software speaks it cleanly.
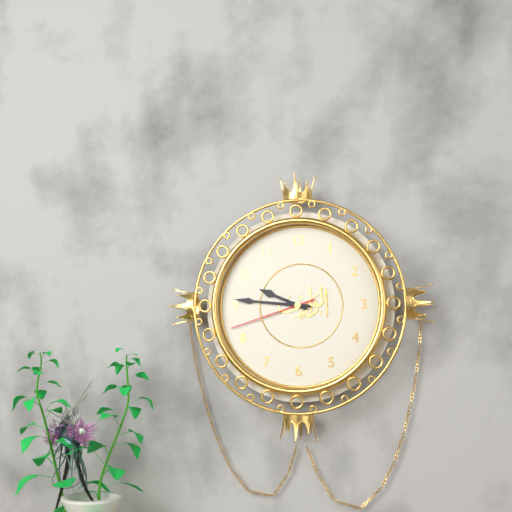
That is 9 h 46 min 42 s
